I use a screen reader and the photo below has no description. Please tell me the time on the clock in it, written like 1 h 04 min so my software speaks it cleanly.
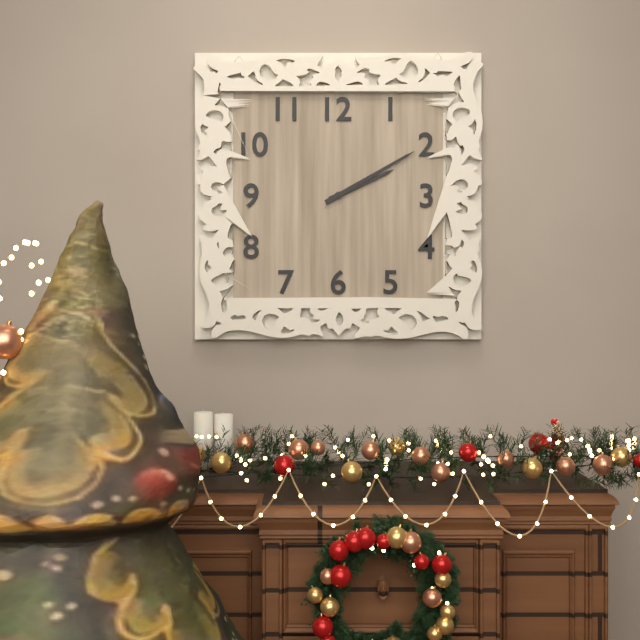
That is 2 h 10 min
